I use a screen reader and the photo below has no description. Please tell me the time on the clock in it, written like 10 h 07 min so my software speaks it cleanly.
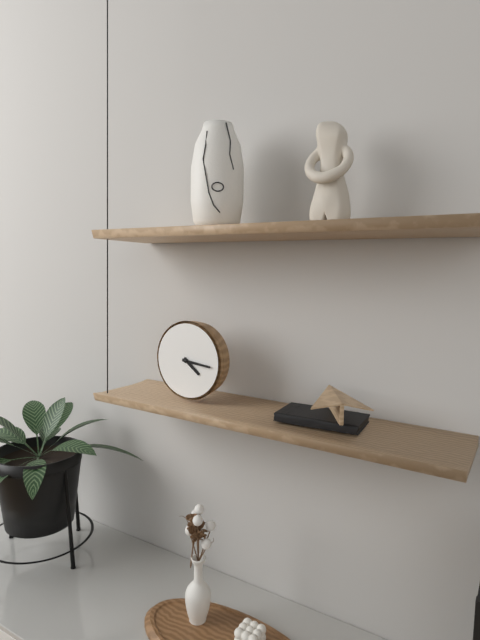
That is 4 h 16 min
